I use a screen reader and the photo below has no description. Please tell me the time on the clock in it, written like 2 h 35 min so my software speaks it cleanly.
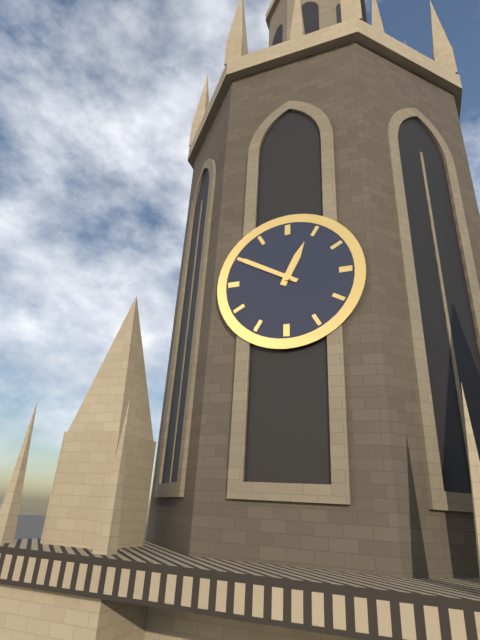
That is 12 h 50 min
